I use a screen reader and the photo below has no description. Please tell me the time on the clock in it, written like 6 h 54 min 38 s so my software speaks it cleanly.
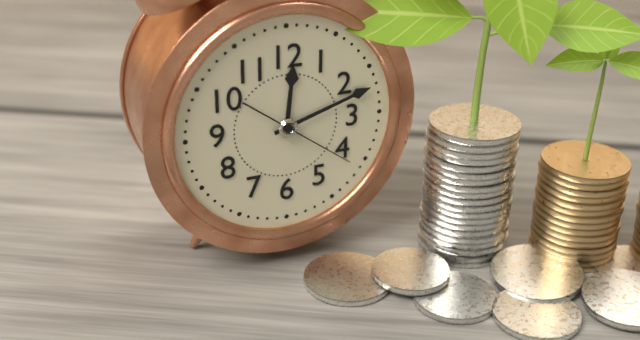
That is 12 h 12 min 21 s
